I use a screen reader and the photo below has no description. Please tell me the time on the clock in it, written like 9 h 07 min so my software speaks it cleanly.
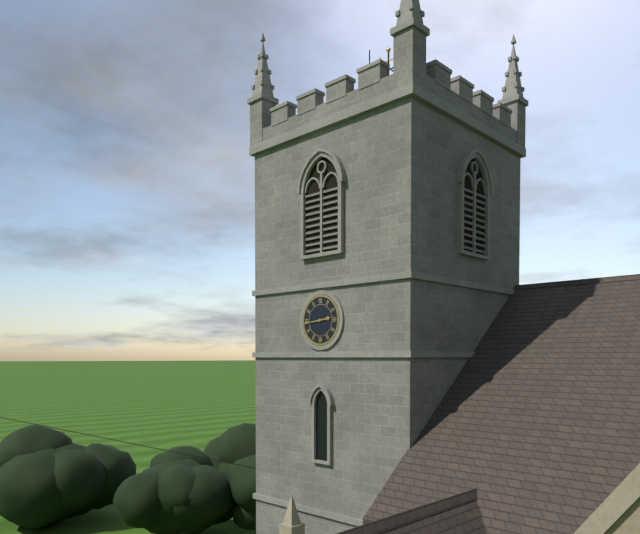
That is 2 h 44 min
